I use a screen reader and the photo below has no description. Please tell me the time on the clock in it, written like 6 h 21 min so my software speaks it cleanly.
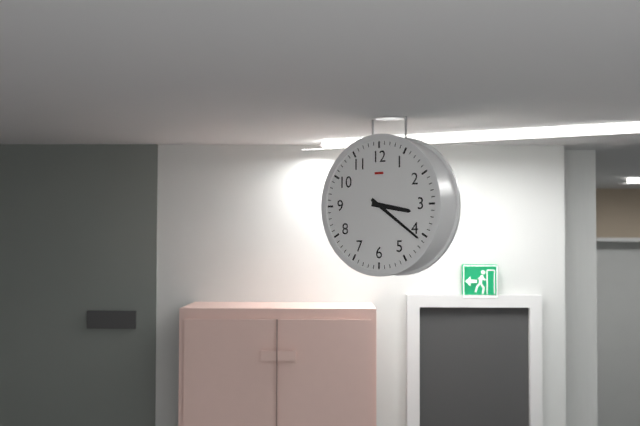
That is 3 h 21 min
